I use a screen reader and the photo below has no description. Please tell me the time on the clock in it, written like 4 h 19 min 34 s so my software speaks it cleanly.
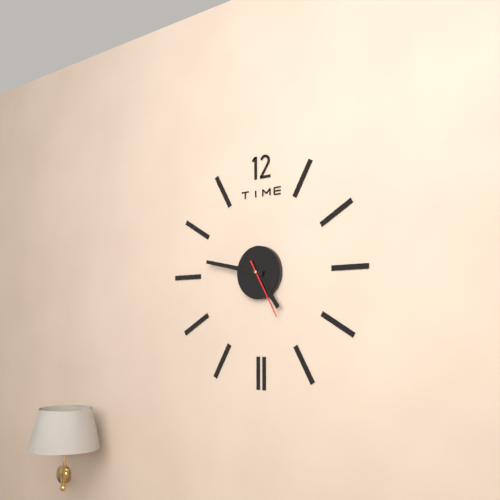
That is 4 h 47 min 25 s
